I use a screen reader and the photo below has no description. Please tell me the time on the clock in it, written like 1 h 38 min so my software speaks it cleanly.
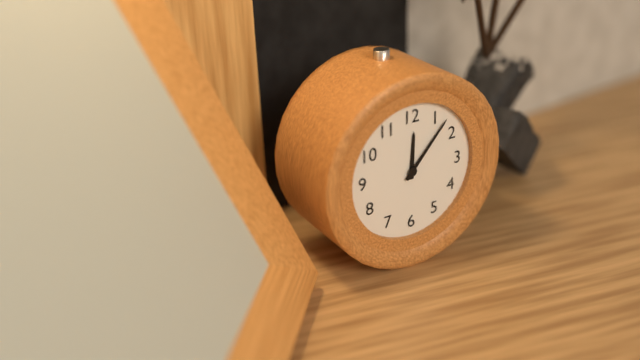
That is 12 h 07 min
